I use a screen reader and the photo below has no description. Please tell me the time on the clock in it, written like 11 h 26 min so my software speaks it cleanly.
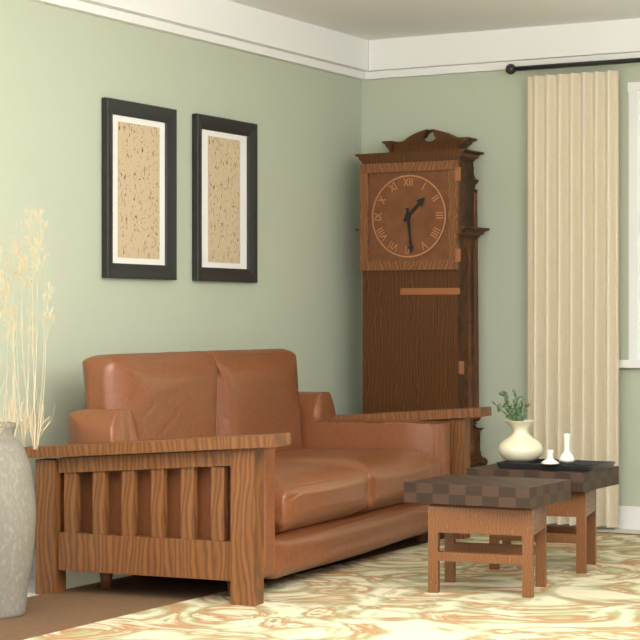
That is 1 h 29 min
